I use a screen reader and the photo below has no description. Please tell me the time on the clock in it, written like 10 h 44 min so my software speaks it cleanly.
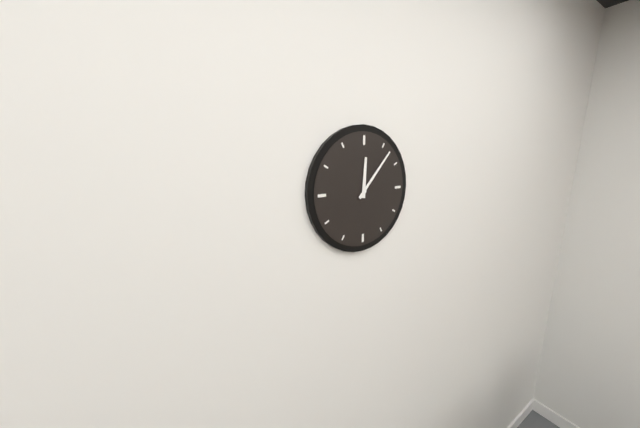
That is 12 h 07 min
